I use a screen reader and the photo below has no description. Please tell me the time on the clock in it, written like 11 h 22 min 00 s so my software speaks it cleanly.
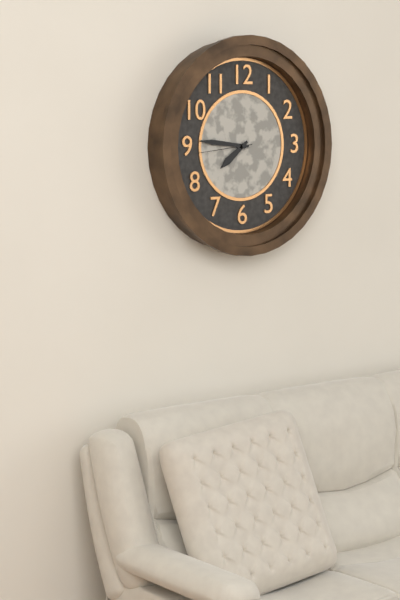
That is 7 h 46 min 44 s
